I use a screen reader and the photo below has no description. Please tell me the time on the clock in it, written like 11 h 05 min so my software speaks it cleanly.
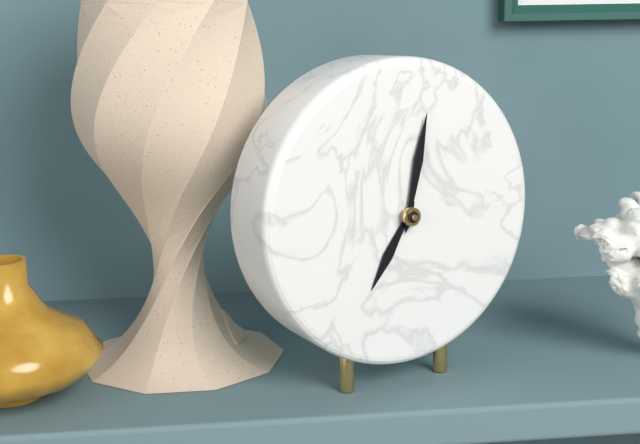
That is 7 h 02 min
